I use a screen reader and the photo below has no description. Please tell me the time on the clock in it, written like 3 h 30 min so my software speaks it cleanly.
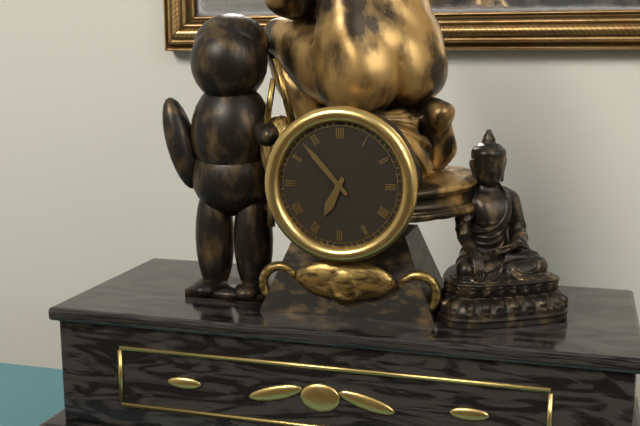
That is 6 h 53 min
